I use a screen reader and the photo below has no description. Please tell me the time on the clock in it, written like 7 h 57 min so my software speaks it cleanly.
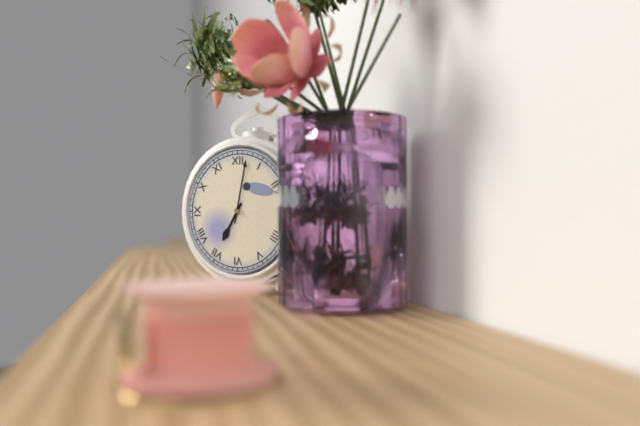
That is 7 h 02 min
